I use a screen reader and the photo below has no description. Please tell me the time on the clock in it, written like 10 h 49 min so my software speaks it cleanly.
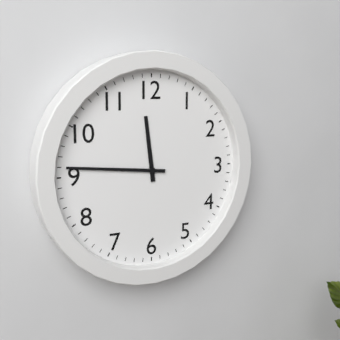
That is 11 h 46 min
